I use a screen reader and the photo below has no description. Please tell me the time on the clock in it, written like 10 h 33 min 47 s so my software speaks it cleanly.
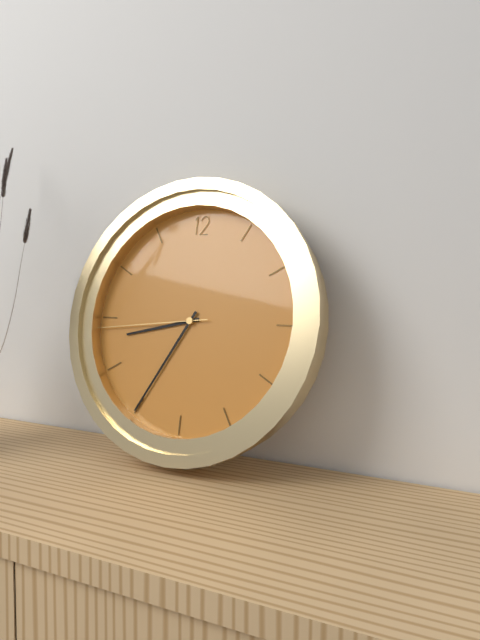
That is 8 h 35 min 44 s
